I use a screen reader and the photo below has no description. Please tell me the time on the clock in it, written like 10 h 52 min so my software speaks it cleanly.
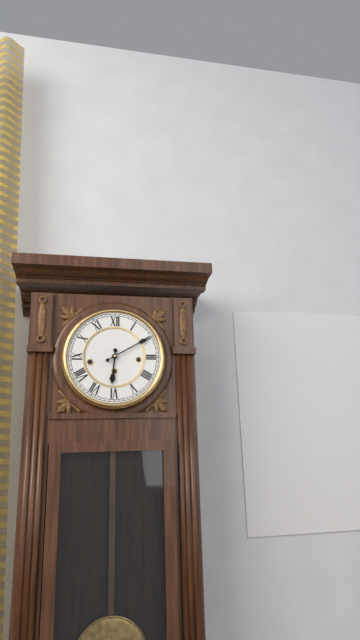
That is 6 h 10 min
